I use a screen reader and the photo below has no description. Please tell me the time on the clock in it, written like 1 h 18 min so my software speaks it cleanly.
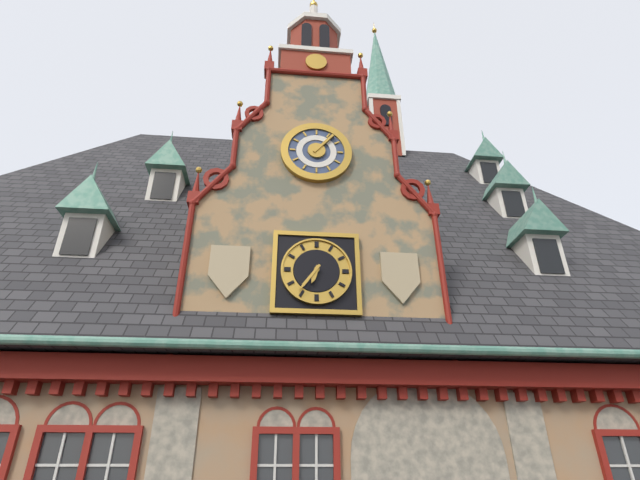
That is 6 h 36 min
